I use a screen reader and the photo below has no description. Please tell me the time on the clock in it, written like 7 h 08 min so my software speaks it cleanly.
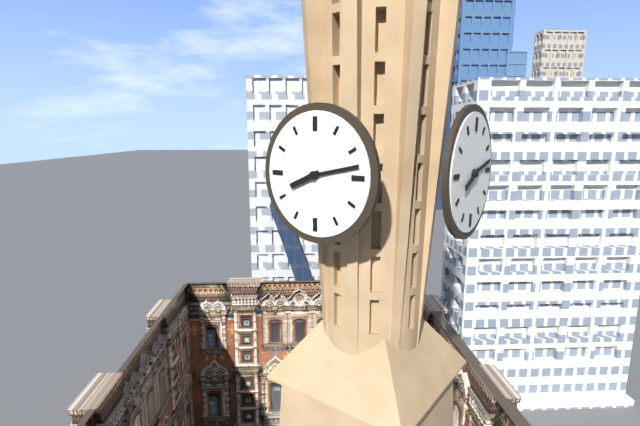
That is 8 h 13 min
